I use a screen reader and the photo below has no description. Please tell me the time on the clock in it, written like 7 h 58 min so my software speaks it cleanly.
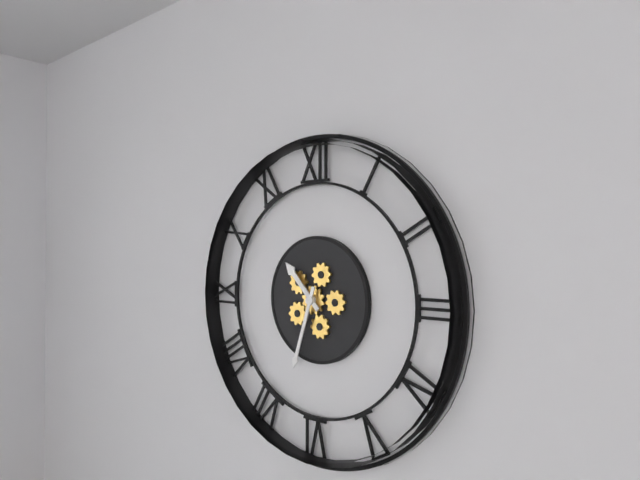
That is 10 h 33 min
